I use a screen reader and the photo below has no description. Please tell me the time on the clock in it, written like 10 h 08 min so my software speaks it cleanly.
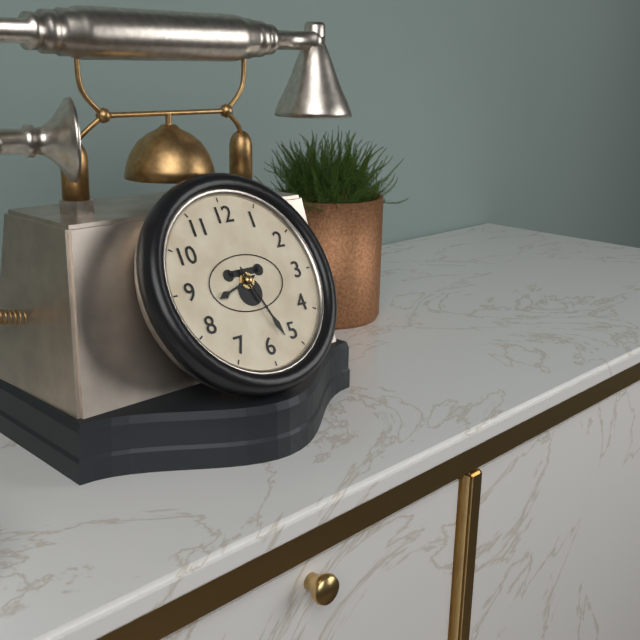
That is 8 h 27 min
